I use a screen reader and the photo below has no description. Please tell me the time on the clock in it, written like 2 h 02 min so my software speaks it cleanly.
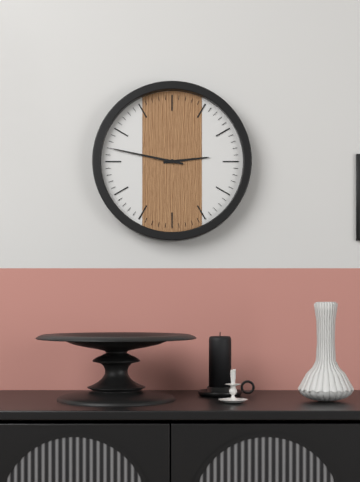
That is 2 h 47 min
